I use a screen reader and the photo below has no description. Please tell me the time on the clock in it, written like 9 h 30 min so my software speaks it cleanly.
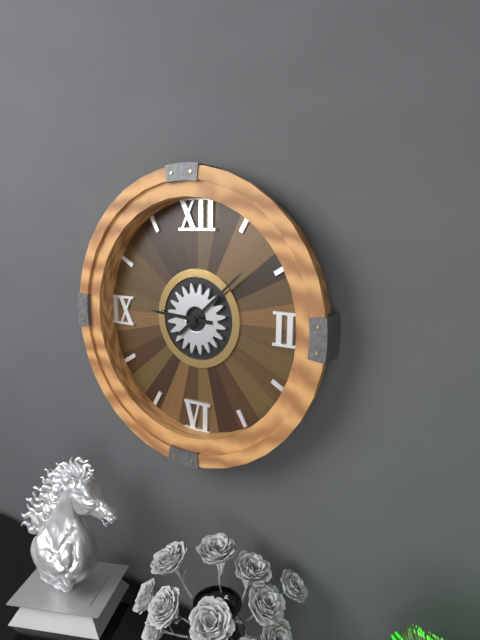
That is 9 h 08 min
